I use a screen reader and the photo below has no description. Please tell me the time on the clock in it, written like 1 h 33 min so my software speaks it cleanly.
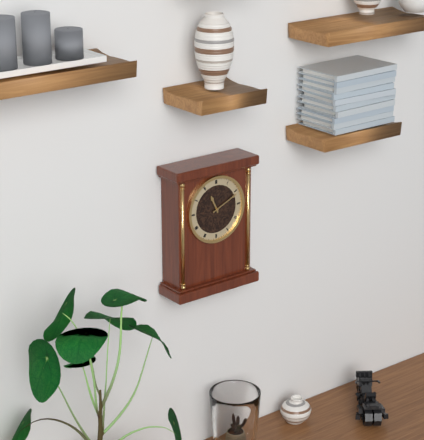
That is 11 h 11 min
